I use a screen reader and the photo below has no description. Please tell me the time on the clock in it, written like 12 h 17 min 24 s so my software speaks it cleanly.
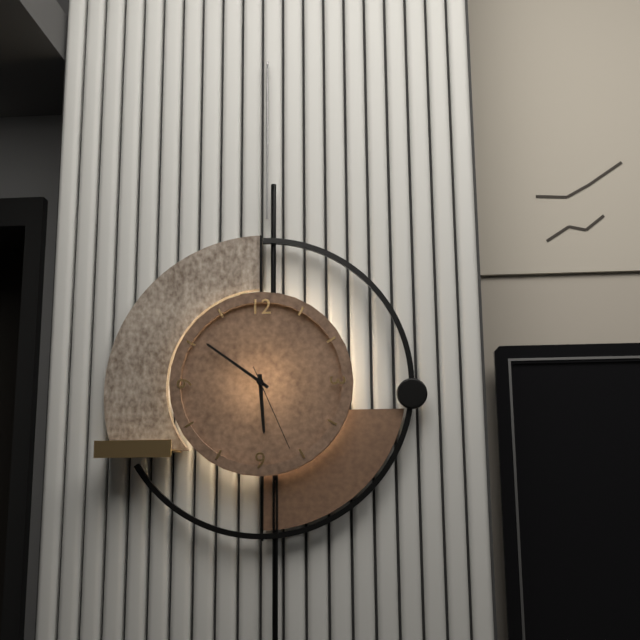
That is 5 h 51 min 26 s
